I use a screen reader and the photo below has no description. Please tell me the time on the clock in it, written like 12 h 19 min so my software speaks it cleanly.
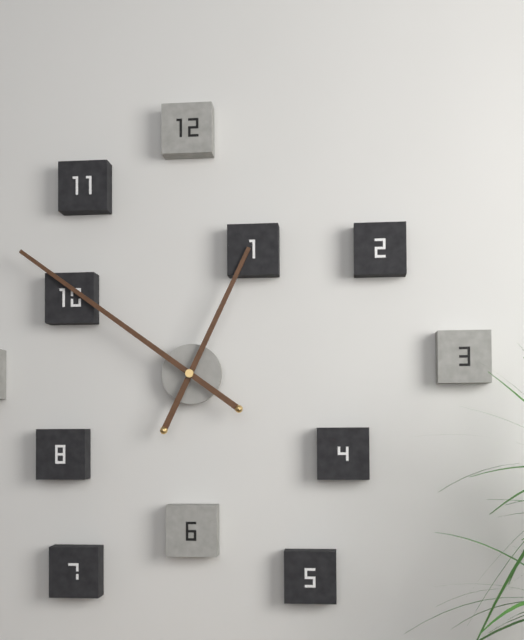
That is 12 h 51 min
